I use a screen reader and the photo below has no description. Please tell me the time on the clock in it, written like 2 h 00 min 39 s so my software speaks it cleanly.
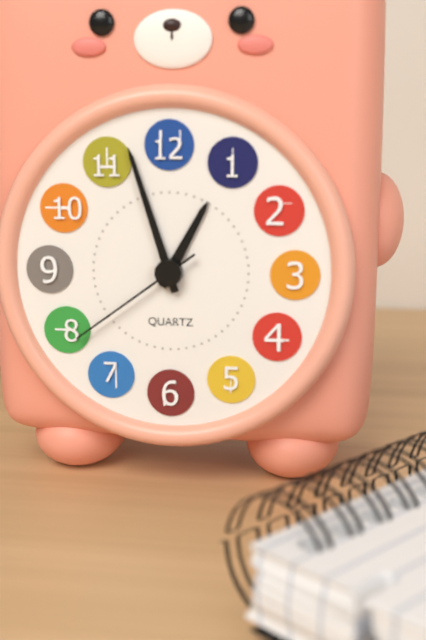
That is 12 h 57 min 39 s
